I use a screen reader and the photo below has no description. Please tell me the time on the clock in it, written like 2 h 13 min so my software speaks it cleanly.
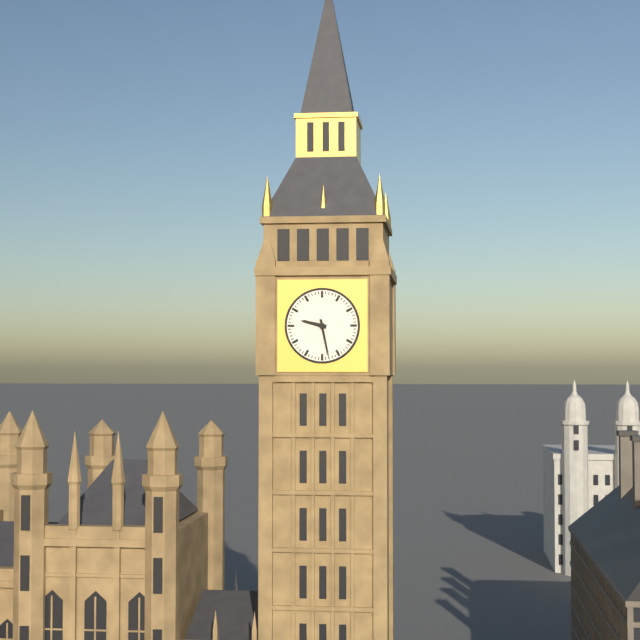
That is 9 h 28 min
